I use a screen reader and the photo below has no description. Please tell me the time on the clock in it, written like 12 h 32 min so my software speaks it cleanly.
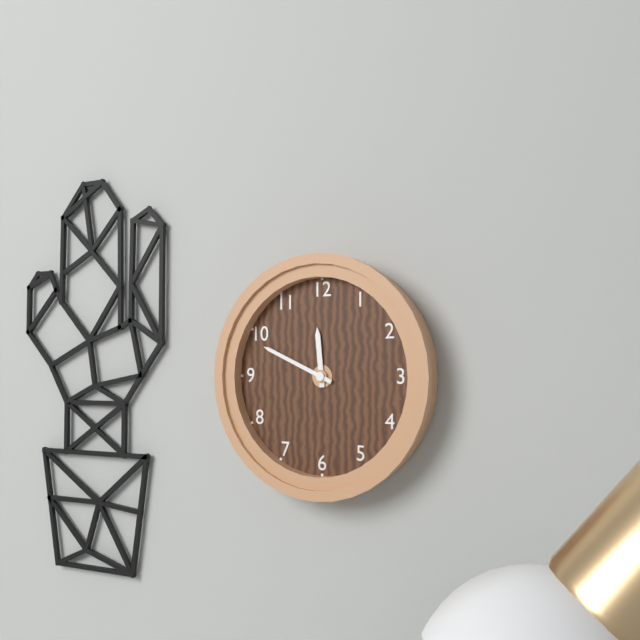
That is 11 h 49 min
